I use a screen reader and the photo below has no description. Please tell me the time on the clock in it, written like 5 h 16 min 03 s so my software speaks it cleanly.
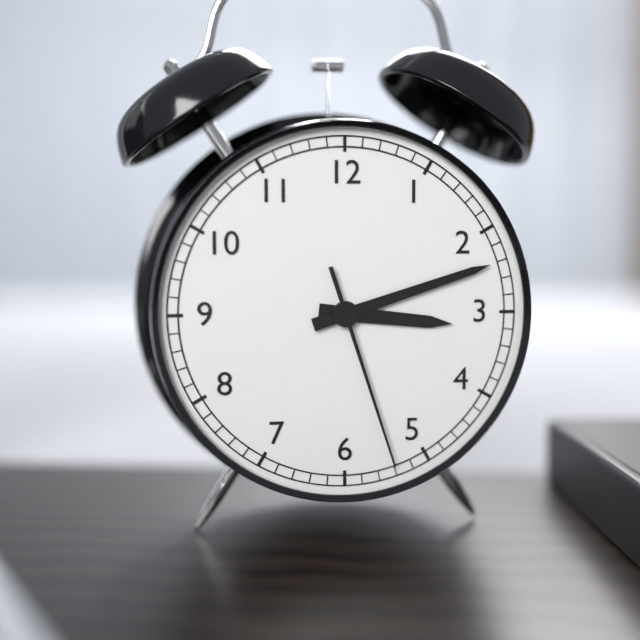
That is 3 h 12 min 27 s
